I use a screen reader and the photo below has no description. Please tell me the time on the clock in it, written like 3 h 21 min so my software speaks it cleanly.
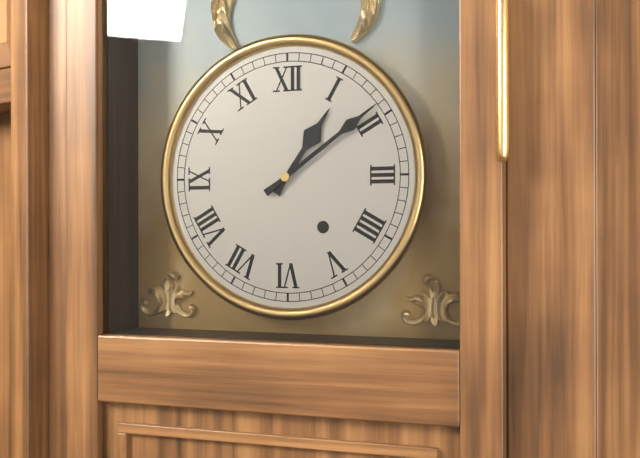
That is 1 h 09 min
